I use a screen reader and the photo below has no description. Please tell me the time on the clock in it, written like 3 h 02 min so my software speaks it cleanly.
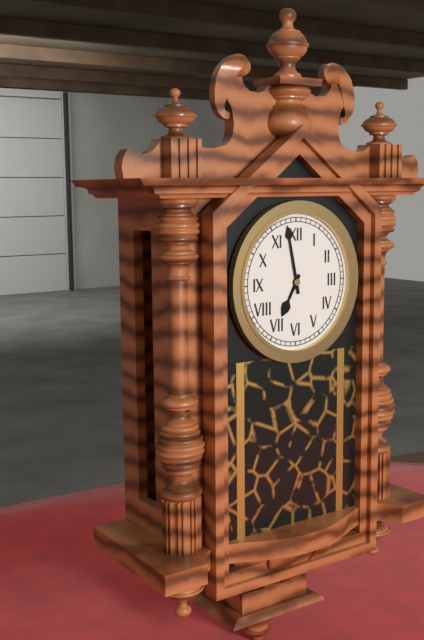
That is 6 h 58 min
